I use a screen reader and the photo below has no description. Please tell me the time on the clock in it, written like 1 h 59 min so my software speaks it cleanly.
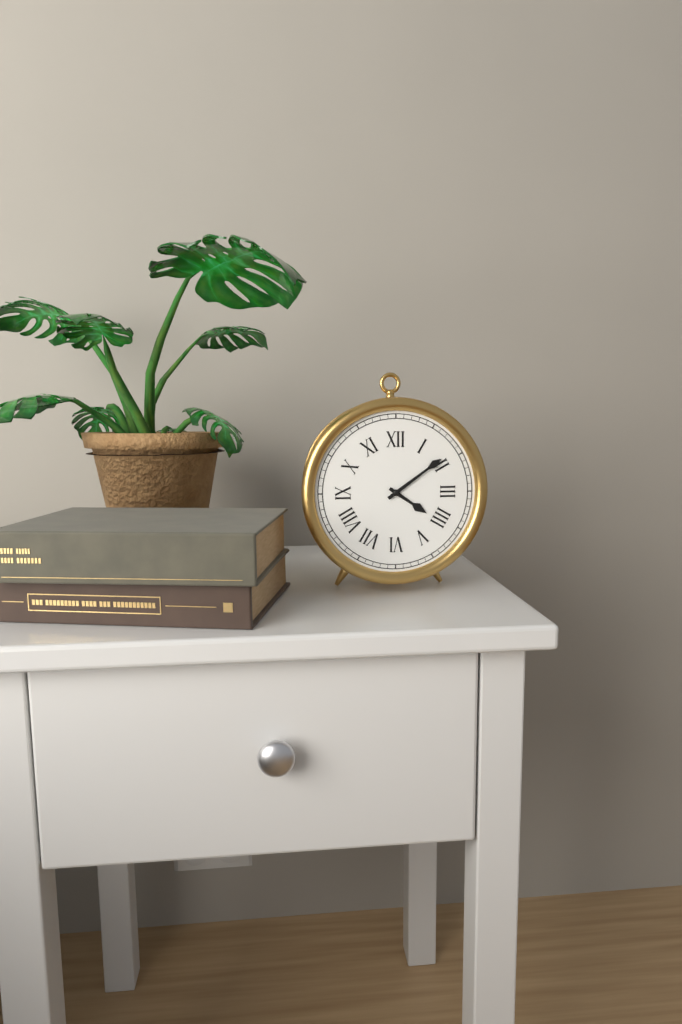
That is 4 h 09 min
